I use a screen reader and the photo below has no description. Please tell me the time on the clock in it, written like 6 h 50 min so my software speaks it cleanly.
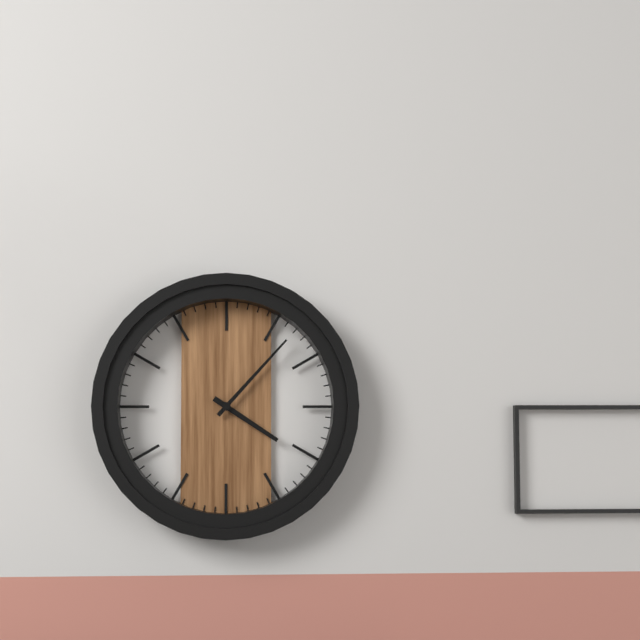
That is 4 h 07 min
